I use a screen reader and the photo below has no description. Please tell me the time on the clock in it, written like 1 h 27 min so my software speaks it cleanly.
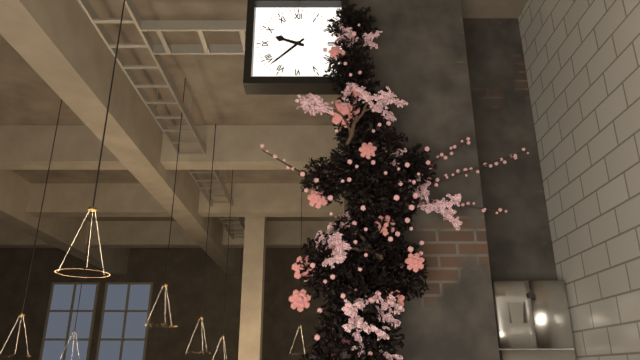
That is 9 h 38 min
